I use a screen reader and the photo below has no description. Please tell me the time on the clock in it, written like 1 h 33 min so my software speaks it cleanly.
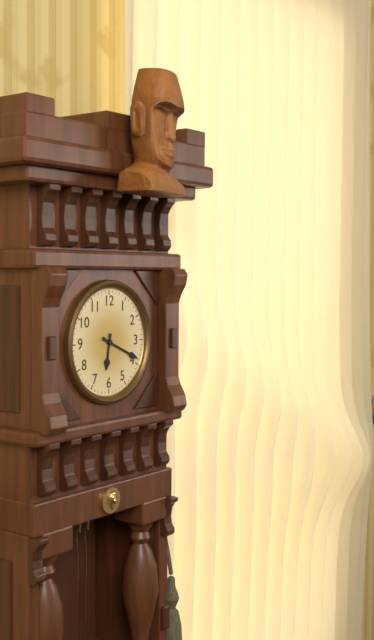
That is 6 h 19 min
